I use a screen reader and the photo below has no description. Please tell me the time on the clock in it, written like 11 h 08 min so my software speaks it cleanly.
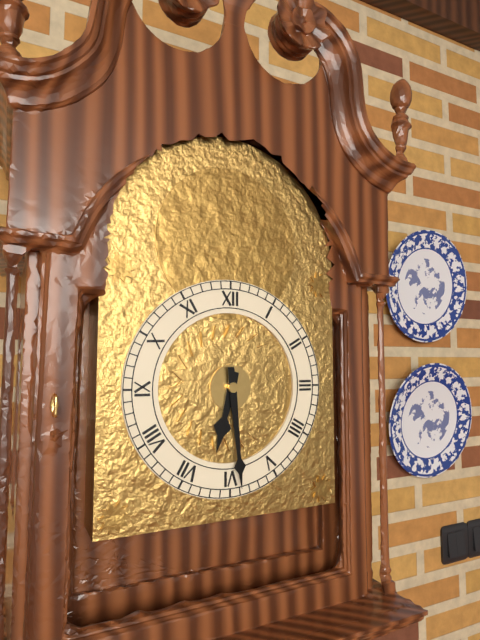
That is 6 h 29 min
